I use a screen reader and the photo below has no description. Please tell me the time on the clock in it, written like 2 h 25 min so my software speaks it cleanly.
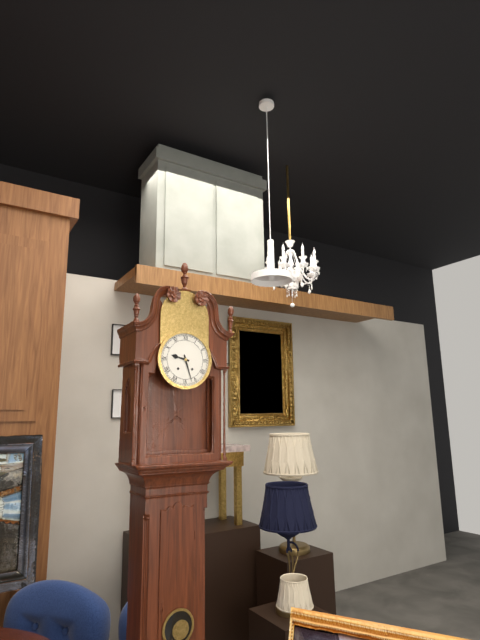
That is 9 h 27 min
